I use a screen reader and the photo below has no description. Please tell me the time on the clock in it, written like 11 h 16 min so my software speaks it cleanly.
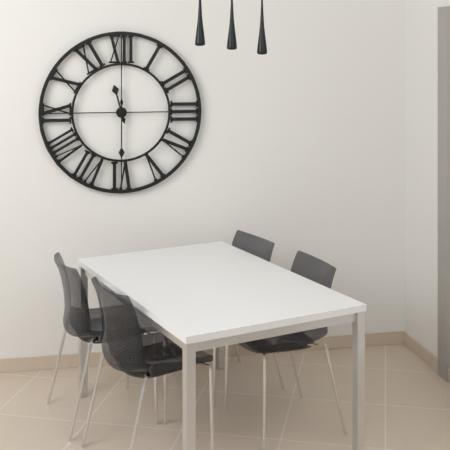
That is 11 h 30 min
